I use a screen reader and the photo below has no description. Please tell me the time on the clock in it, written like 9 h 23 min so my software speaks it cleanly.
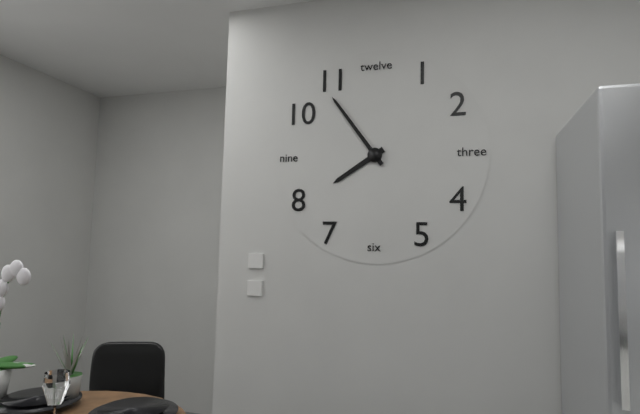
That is 7 h 54 min
